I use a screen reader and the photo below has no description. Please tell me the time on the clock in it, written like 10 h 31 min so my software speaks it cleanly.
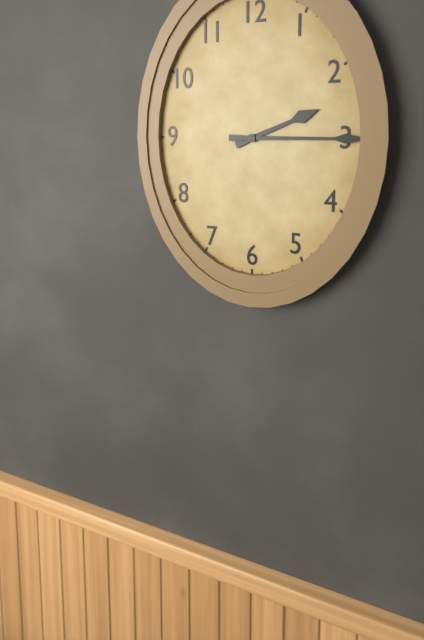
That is 2 h 15 min
